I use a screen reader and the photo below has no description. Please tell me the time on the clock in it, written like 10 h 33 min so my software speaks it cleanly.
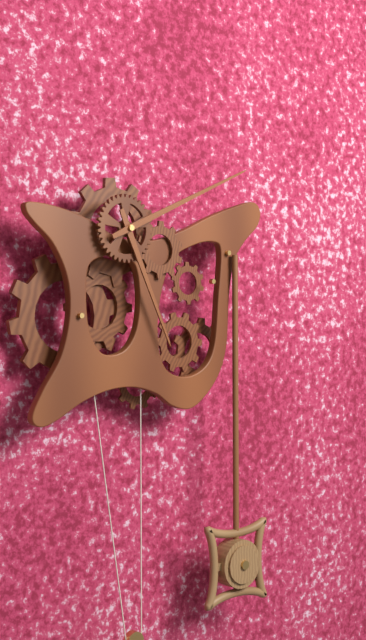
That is 5 h 11 min
